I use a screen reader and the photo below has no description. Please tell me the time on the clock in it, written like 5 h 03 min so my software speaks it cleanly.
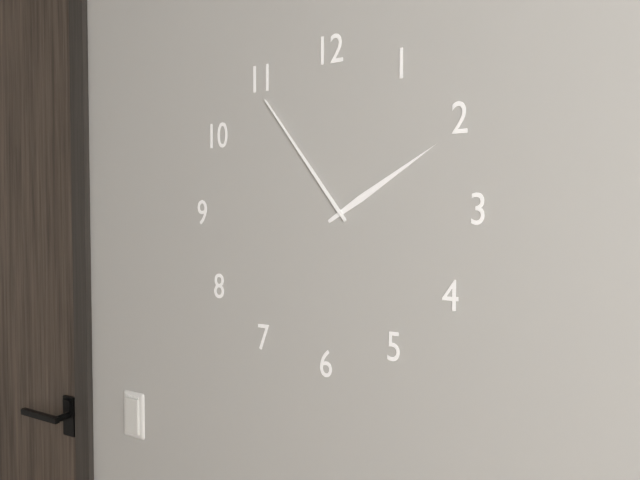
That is 1 h 54 min
